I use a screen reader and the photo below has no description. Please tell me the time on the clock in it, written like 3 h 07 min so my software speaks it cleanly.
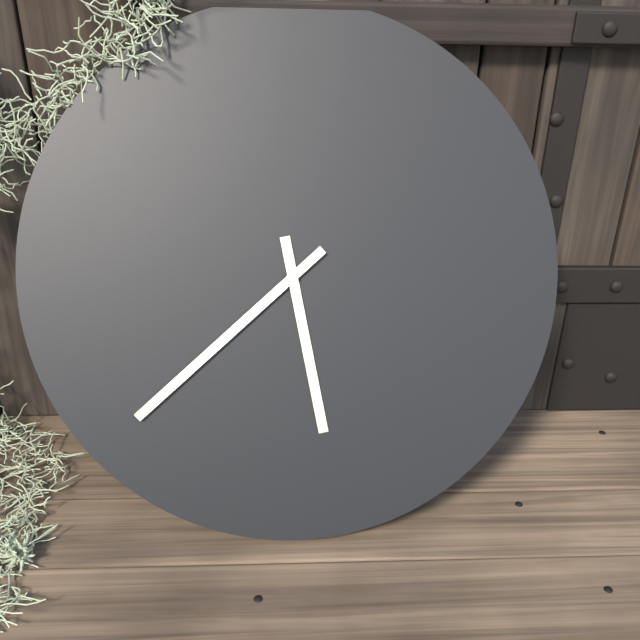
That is 5 h 38 min
